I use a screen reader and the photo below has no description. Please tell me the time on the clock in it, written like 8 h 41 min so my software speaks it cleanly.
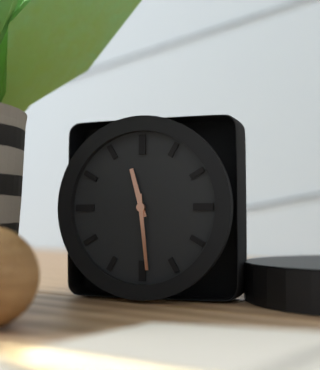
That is 11 h 29 min
